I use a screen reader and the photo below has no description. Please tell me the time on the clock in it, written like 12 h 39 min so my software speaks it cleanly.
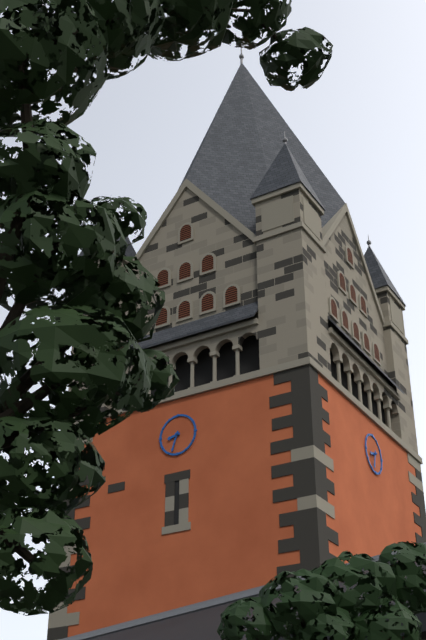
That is 8 h 33 min
